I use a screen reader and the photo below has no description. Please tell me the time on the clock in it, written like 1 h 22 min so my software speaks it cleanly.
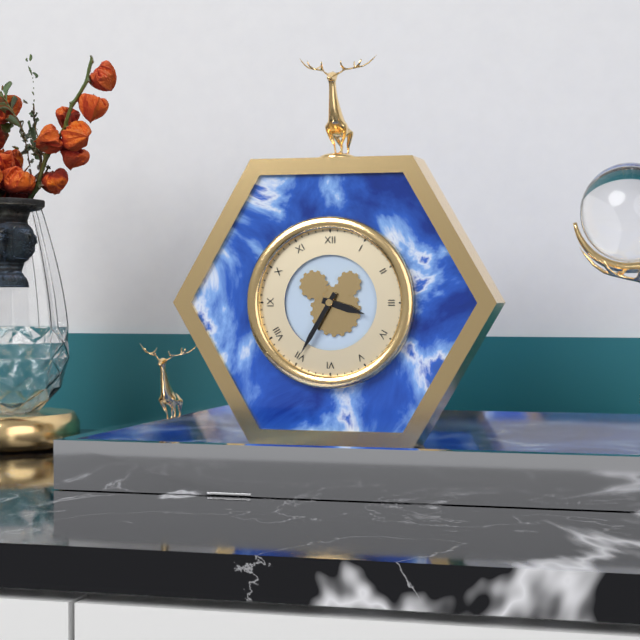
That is 3 h 35 min
